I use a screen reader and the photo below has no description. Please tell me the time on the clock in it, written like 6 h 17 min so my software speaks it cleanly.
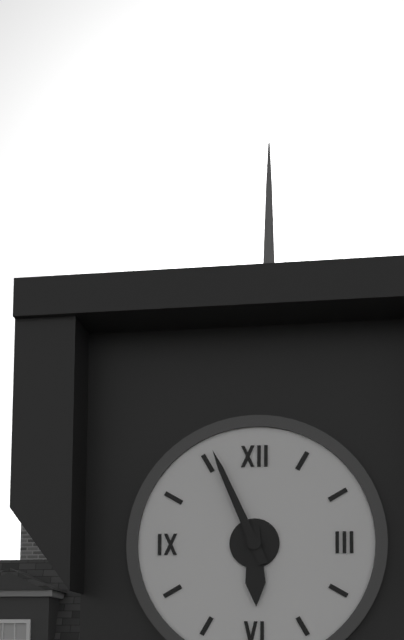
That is 5 h 56 min
